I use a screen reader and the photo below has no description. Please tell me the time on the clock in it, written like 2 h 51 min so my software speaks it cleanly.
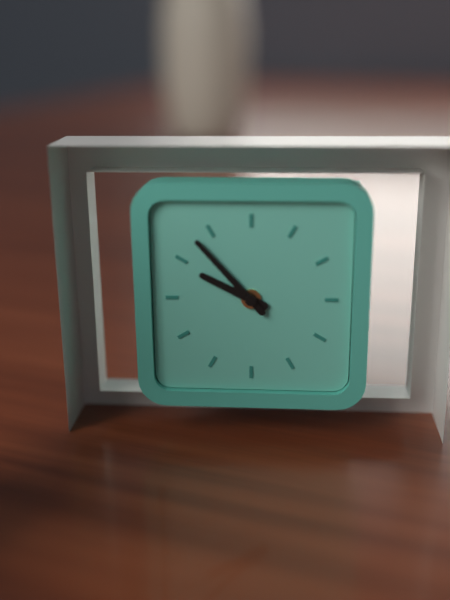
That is 9 h 53 min
